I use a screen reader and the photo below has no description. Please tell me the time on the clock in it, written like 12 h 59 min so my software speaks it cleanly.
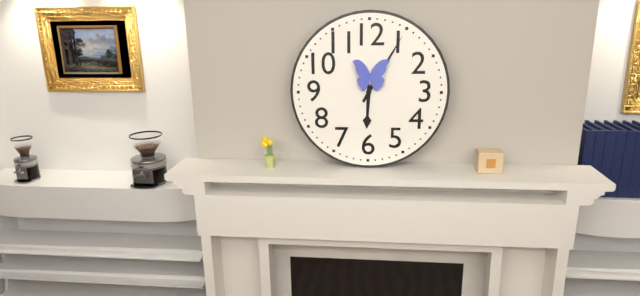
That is 6 h 05 min
